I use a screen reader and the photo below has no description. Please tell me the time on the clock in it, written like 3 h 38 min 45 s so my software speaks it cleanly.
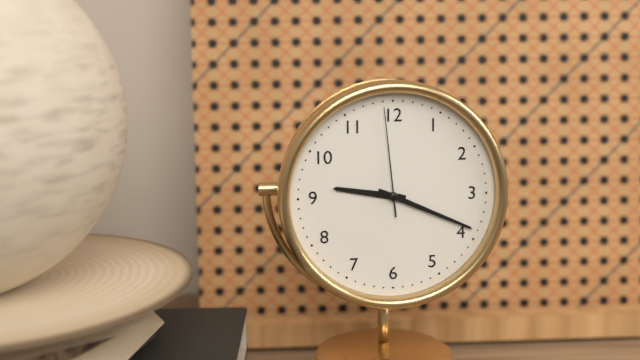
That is 9 h 19 min 59 s
